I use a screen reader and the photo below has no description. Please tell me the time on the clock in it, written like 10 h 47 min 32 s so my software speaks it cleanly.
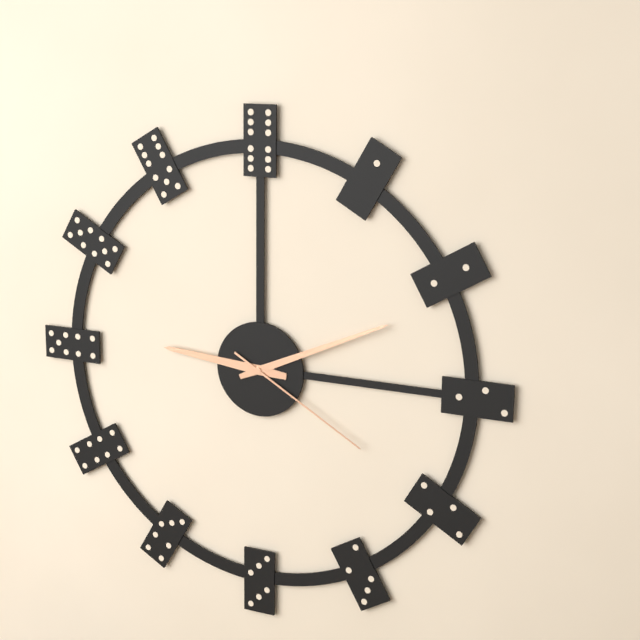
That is 9 h 11 min 20 s
